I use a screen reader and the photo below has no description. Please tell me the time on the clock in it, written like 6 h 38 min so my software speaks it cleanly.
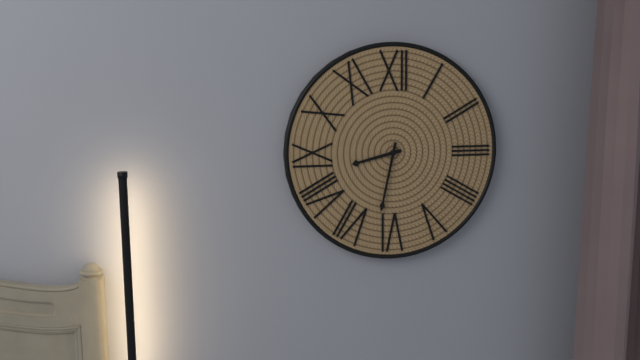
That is 8 h 32 min
